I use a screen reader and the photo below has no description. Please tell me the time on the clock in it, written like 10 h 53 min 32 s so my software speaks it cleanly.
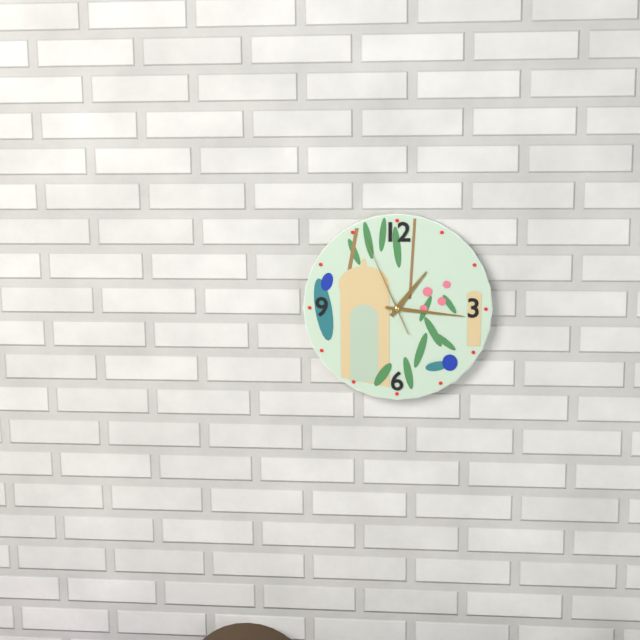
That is 1 h 16 min 56 s
